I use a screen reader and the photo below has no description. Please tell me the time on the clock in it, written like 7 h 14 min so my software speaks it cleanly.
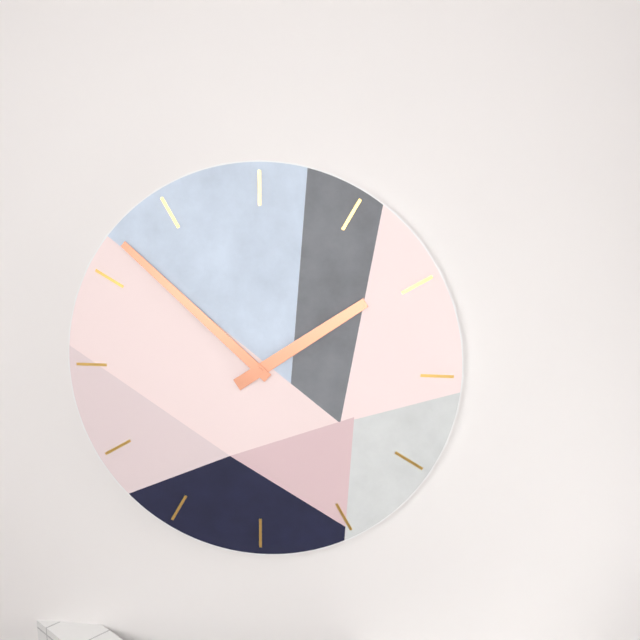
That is 1 h 52 min
